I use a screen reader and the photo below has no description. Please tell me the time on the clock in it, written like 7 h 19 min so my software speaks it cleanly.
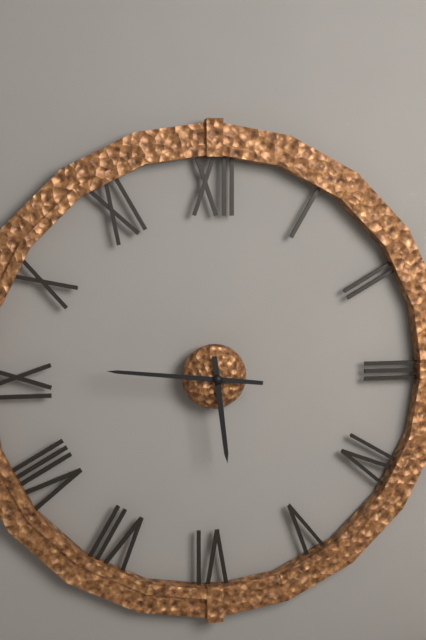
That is 5 h 46 min
